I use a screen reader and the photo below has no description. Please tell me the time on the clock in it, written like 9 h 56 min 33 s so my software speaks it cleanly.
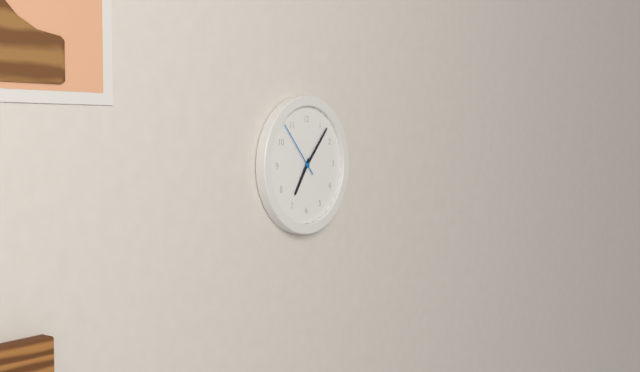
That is 7 h 07 min 53 s
